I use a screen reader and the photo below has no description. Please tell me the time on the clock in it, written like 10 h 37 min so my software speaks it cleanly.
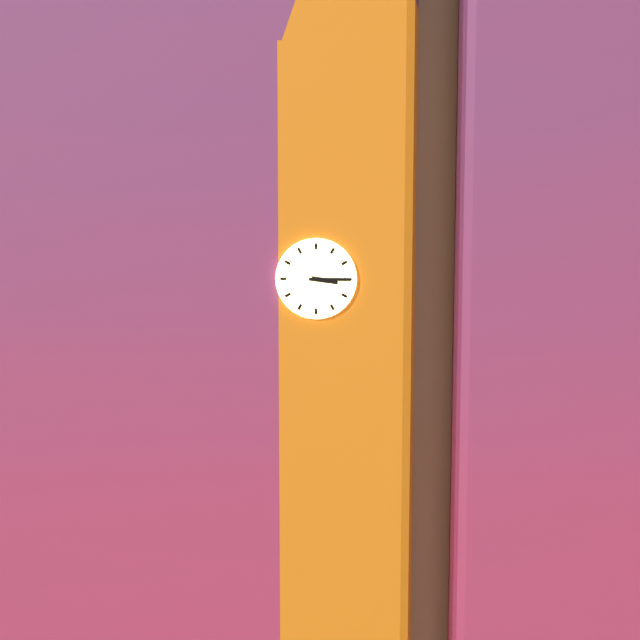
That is 3 h 15 min
